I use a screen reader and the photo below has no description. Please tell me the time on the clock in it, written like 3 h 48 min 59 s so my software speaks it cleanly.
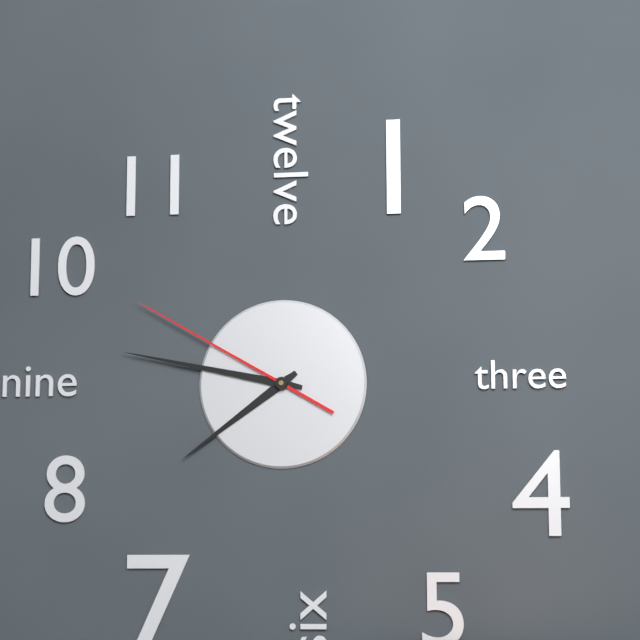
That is 7 h 47 min 50 s
